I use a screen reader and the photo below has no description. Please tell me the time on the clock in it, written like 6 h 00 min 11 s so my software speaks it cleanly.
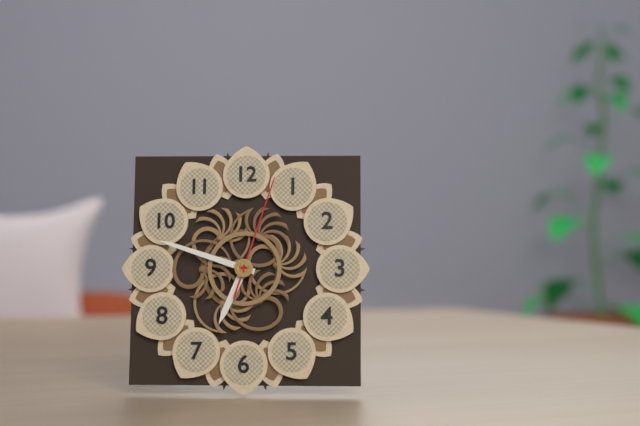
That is 6 h 48 min 03 s
